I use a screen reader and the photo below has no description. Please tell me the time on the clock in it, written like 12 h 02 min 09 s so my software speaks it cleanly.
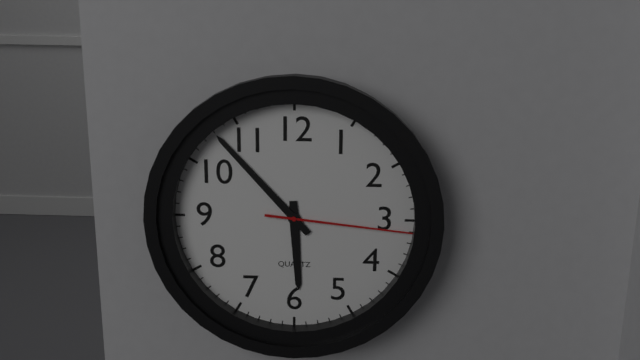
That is 5 h 53 min 16 s
